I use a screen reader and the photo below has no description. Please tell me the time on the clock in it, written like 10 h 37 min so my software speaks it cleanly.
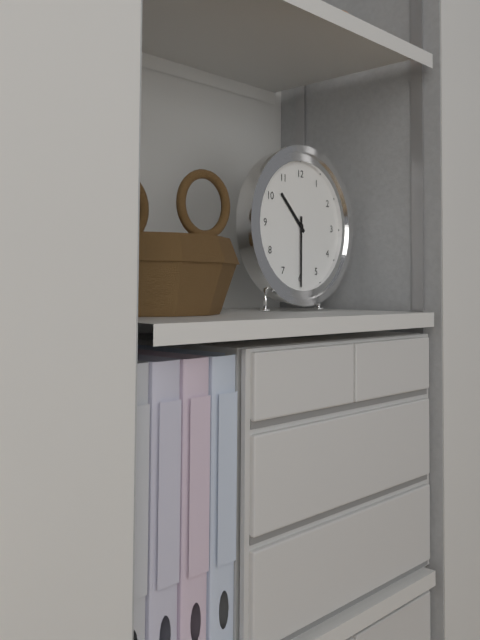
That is 10 h 30 min
